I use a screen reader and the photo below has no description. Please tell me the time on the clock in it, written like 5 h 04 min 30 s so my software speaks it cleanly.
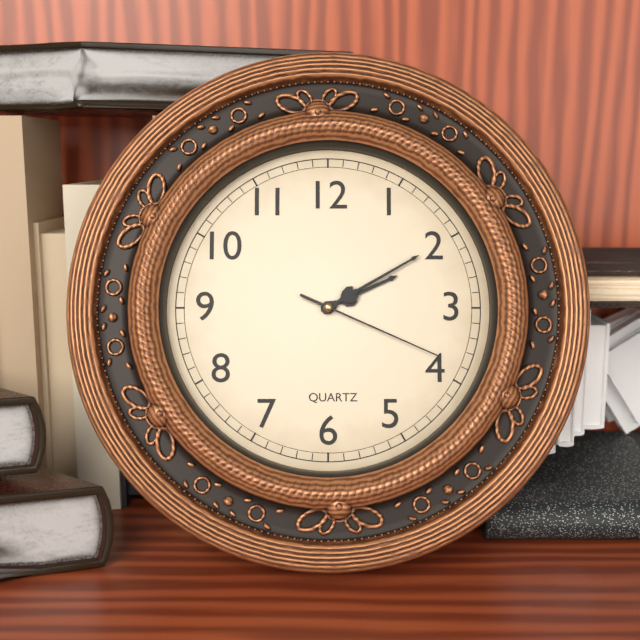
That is 2 h 10 min 19 s
